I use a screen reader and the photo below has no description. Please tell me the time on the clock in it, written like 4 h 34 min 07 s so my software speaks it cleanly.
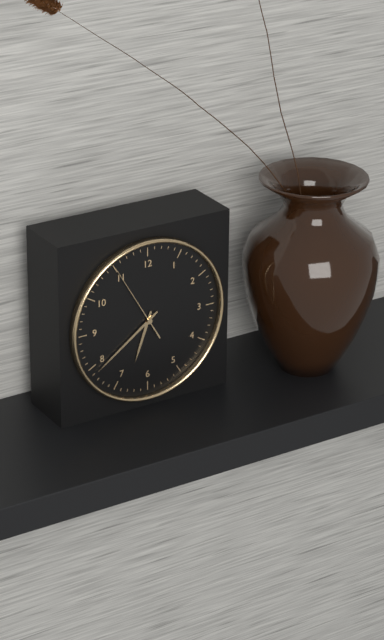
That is 6 h 39 min 55 s
